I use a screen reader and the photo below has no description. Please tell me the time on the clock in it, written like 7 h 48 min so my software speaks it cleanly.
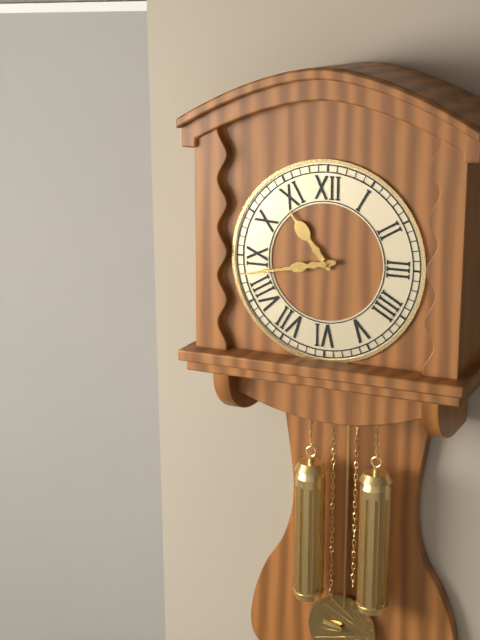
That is 10 h 43 min
